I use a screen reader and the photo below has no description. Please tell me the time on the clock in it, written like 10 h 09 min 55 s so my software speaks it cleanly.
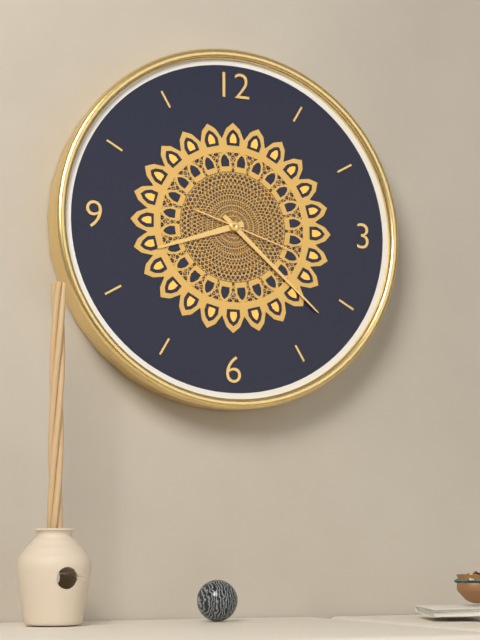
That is 8 h 22 min 18 s
